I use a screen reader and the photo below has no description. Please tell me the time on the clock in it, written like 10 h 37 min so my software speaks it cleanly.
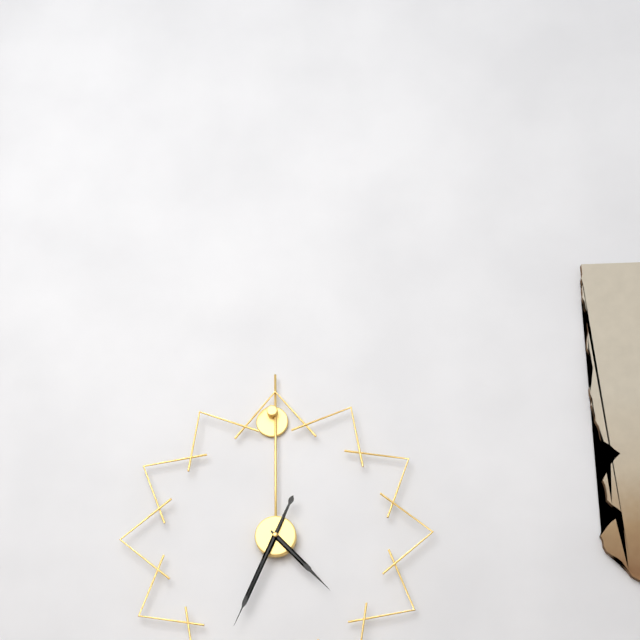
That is 4 h 34 min
